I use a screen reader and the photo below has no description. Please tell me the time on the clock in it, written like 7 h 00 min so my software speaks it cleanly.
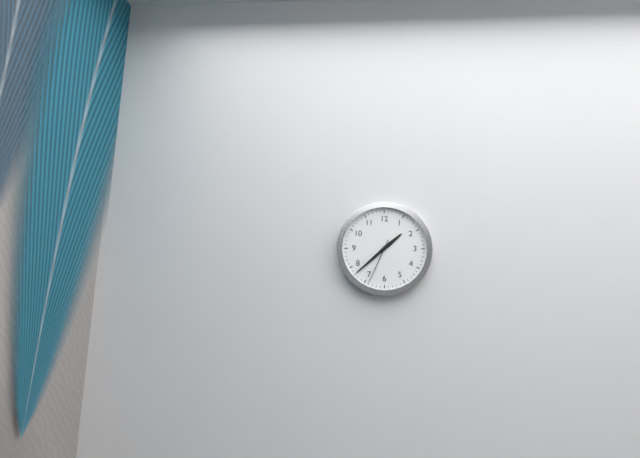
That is 1 h 38 min
